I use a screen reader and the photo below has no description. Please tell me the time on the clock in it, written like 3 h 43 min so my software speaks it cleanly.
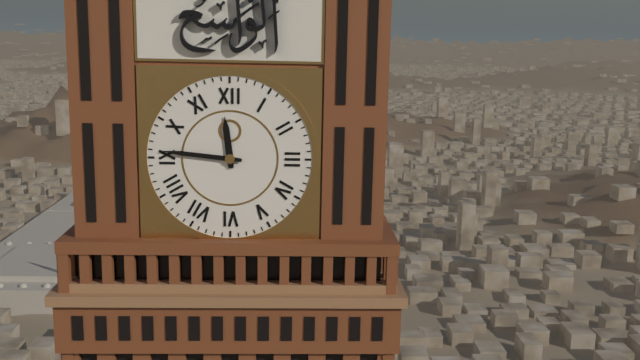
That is 11 h 46 min
